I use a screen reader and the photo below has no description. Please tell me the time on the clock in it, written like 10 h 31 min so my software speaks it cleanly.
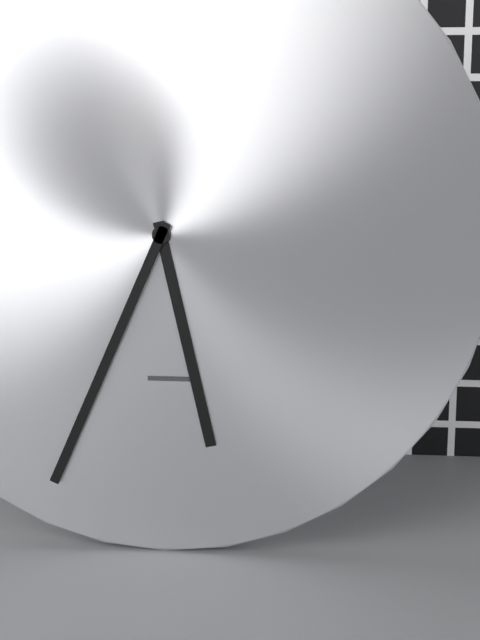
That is 5 h 34 min
